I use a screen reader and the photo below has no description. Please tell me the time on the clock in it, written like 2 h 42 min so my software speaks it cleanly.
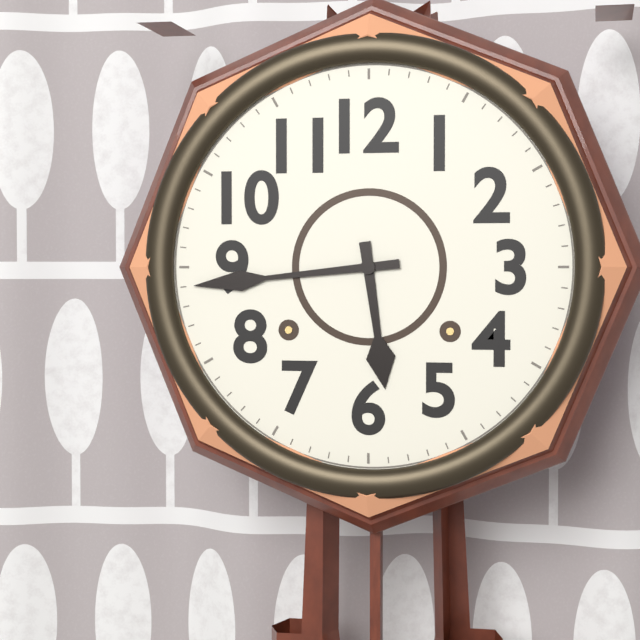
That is 5 h 44 min
